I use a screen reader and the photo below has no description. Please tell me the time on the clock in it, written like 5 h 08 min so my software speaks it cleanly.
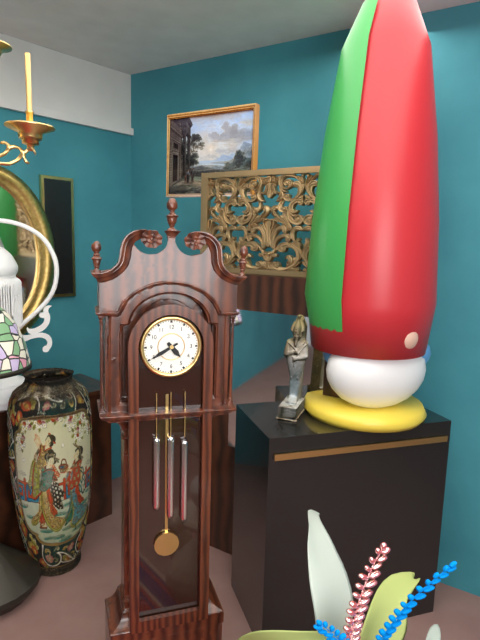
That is 4 h 40 min
